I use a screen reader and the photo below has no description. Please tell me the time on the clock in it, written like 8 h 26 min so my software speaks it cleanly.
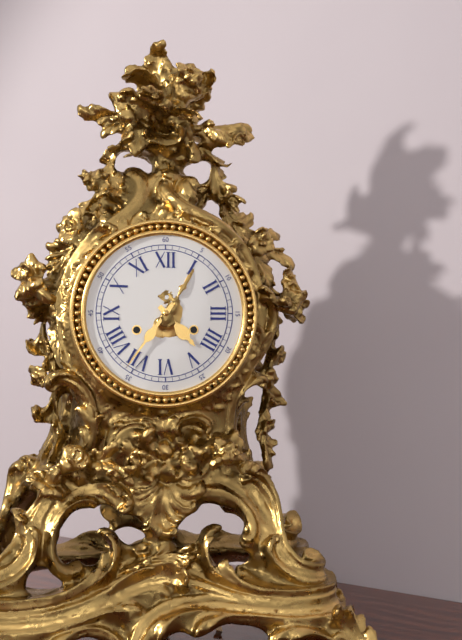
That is 4 h 36 min
